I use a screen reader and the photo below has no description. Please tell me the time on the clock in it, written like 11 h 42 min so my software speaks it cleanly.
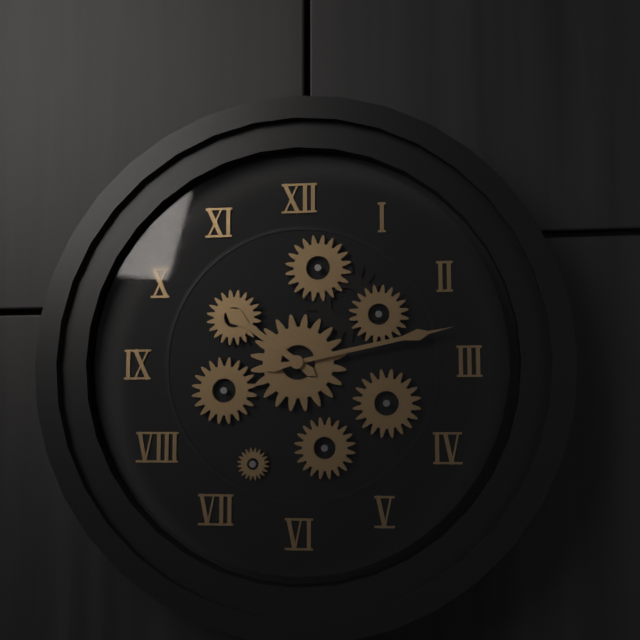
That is 10 h 13 min
